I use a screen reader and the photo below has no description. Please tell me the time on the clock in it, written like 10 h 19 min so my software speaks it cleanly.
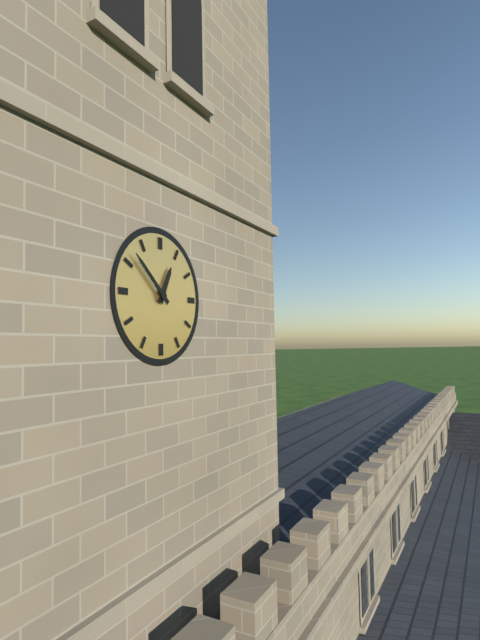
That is 12 h 52 min
